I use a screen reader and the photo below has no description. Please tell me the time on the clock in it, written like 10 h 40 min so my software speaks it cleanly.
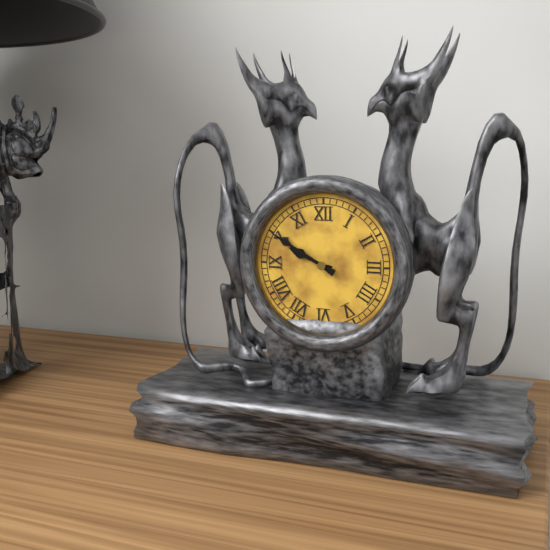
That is 9 h 50 min
